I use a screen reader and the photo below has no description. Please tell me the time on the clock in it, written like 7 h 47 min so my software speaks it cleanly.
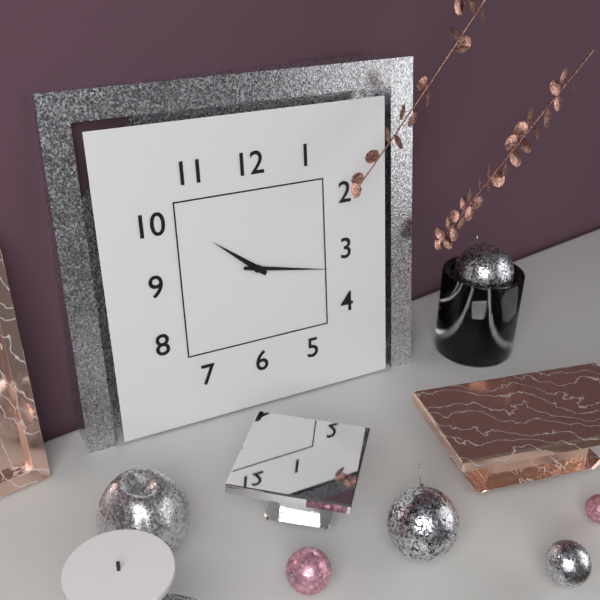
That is 10 h 17 min
